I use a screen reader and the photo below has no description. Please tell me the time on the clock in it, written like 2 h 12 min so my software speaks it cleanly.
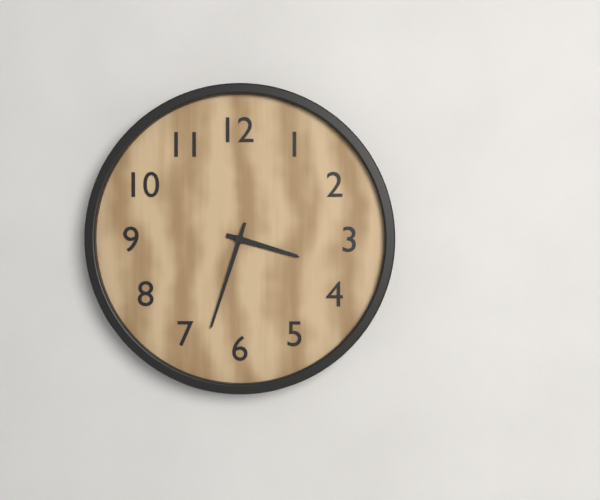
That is 3 h 33 min
